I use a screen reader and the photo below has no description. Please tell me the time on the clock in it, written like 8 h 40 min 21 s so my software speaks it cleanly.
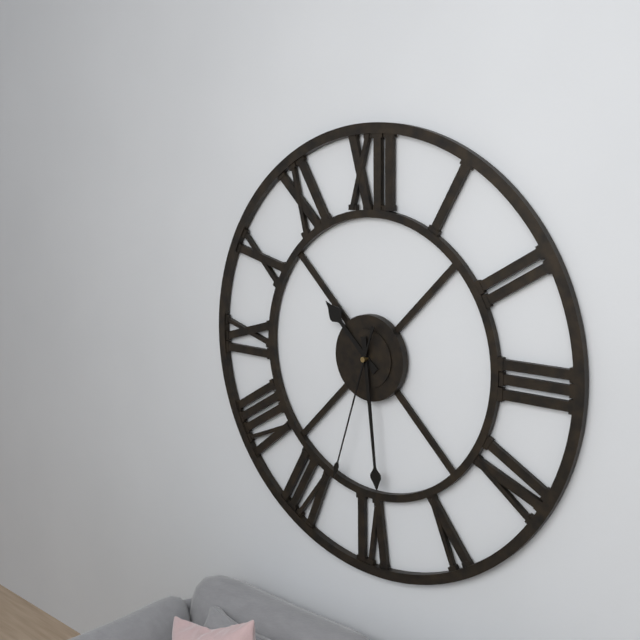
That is 10 h 29 min 33 s
